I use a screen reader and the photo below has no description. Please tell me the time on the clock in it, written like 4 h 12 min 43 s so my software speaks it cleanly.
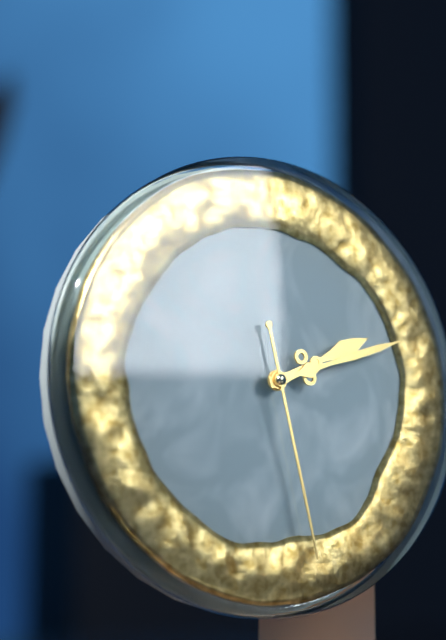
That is 2 h 12 min 28 s
